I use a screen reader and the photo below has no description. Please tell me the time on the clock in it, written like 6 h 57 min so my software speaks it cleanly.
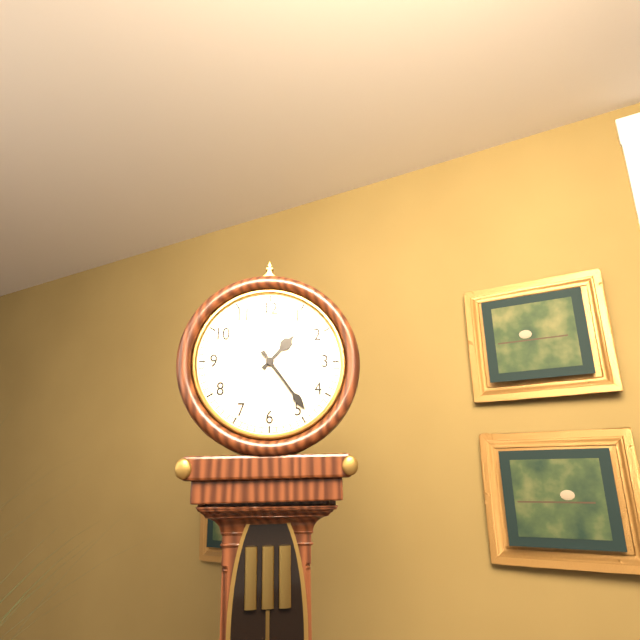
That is 1 h 24 min
